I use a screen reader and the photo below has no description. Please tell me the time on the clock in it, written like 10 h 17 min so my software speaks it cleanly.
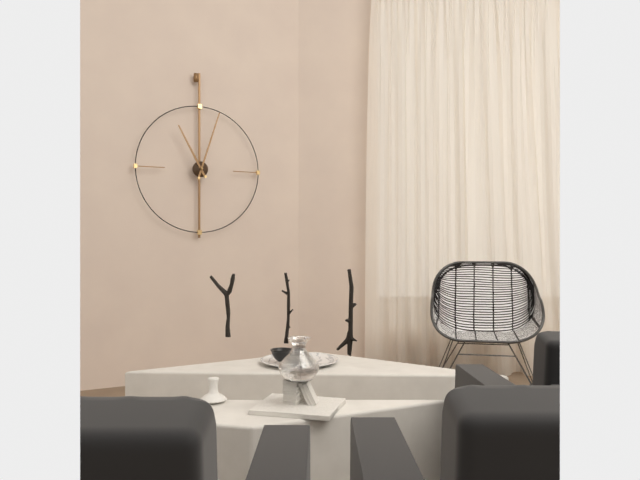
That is 11 h 03 min
